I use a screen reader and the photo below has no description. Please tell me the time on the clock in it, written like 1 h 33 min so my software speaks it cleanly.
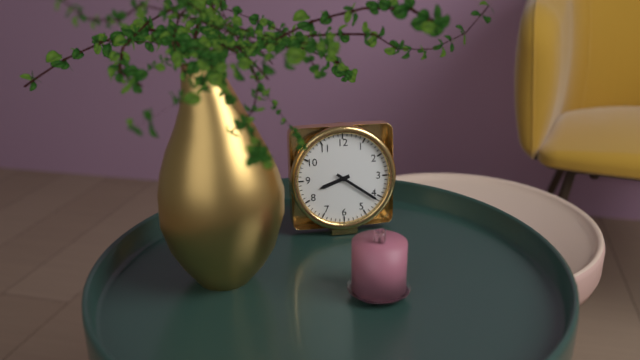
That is 8 h 21 min
